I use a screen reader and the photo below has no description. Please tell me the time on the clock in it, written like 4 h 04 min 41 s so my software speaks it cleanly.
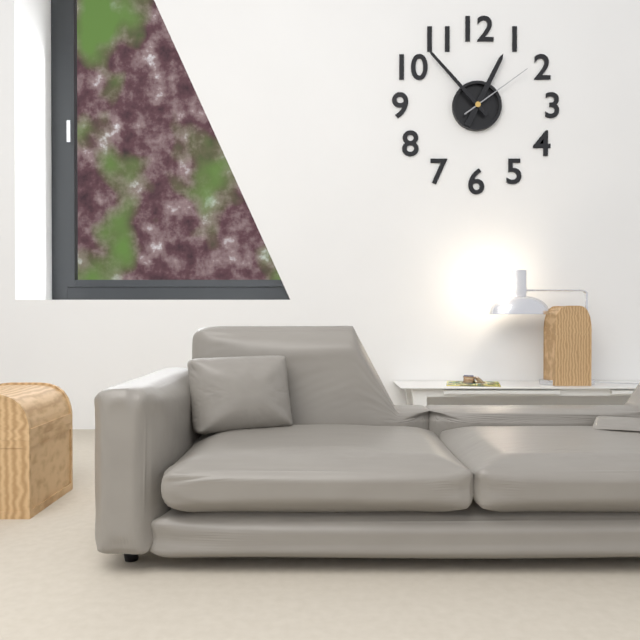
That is 12 h 53 min 09 s
